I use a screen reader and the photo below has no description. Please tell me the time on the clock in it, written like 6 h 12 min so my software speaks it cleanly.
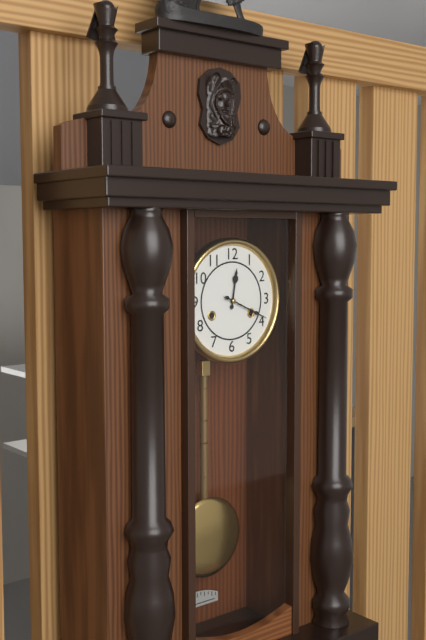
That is 12 h 19 min
